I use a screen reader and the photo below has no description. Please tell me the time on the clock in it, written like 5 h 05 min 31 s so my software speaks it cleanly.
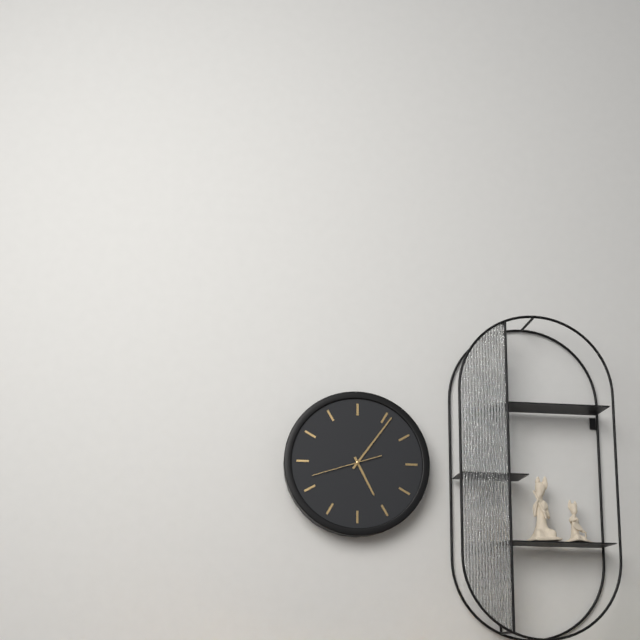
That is 5 h 06 min 42 s
